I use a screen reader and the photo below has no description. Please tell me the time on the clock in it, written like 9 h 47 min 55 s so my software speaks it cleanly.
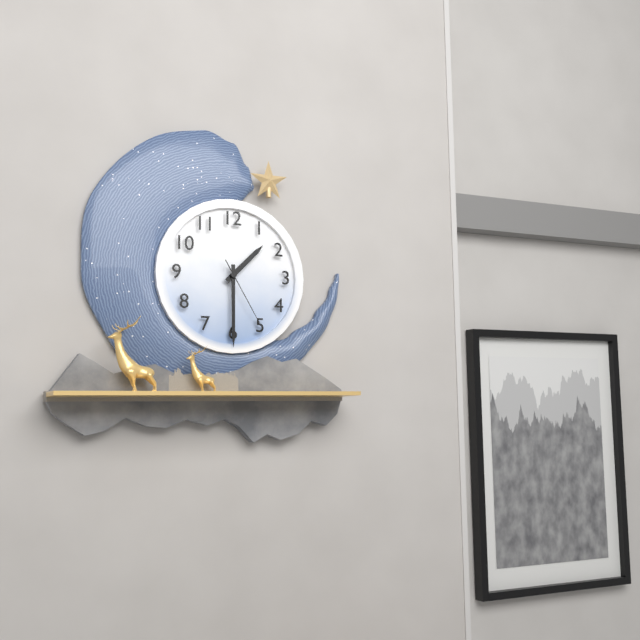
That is 1 h 30 min 25 s
